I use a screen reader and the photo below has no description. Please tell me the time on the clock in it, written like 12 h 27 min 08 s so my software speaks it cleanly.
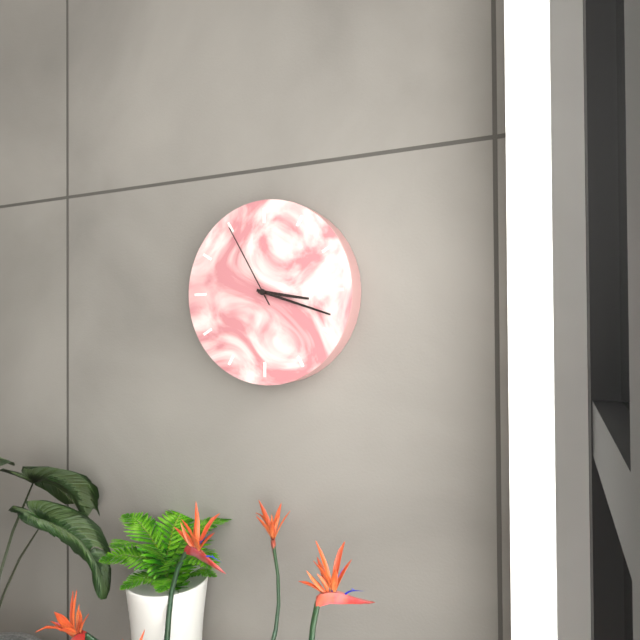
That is 3 h 18 min 55 s
